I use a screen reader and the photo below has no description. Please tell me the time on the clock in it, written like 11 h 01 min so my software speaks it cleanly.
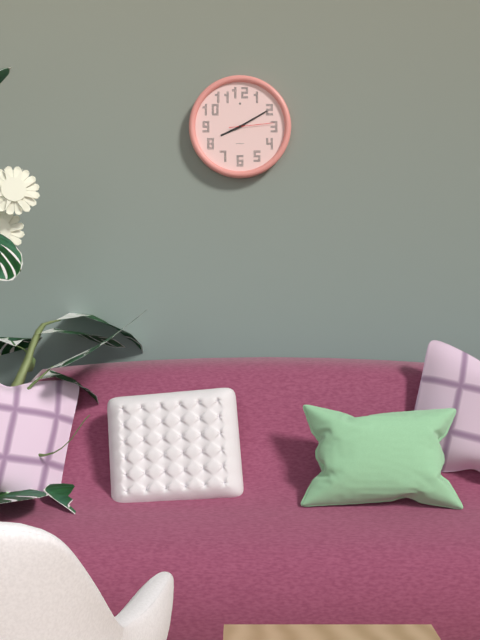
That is 8 h 10 min
